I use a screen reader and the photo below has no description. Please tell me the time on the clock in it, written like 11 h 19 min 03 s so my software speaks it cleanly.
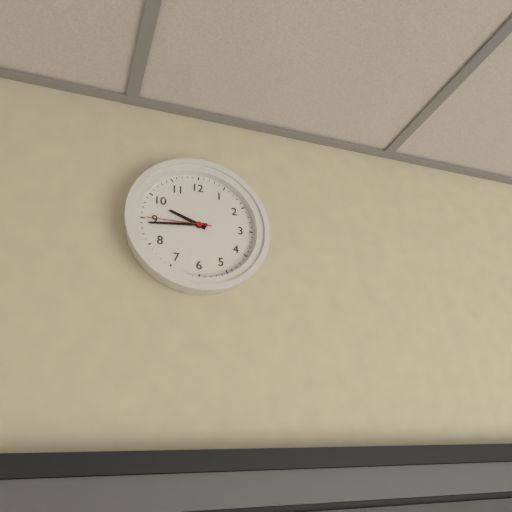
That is 9 h 44 min 45 s
